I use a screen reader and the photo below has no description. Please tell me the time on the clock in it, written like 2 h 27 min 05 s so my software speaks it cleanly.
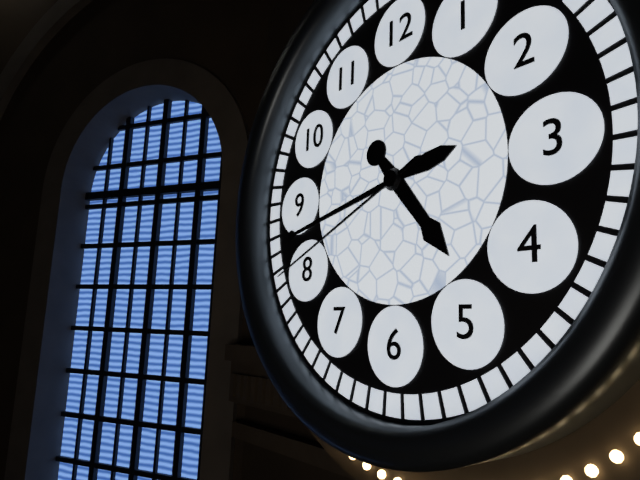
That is 4 h 43 min 41 s
